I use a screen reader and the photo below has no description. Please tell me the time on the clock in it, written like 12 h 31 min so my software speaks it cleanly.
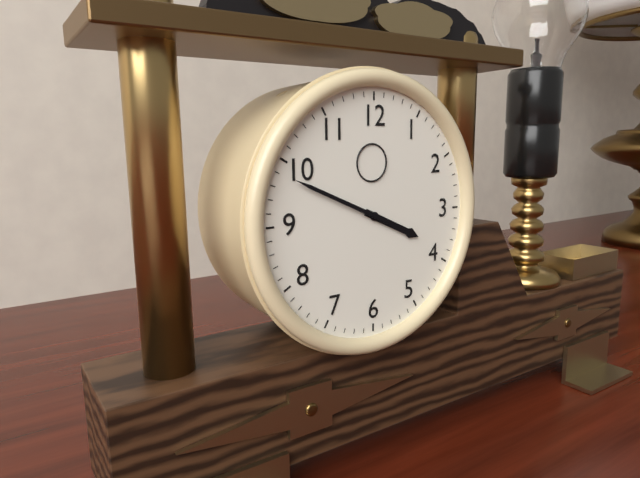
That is 3 h 49 min
